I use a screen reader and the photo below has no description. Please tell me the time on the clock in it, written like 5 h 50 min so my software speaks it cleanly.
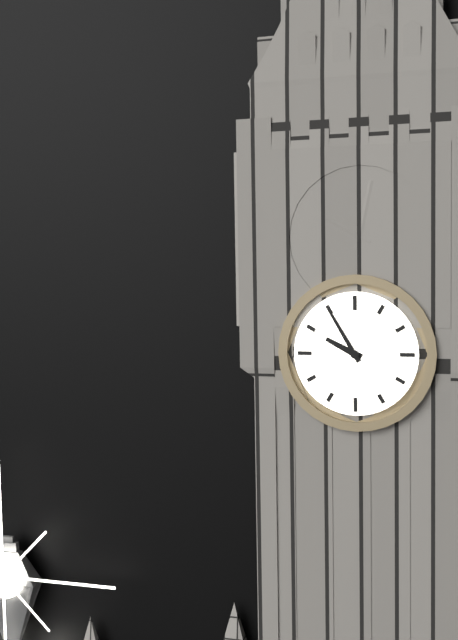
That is 9 h 55 min
